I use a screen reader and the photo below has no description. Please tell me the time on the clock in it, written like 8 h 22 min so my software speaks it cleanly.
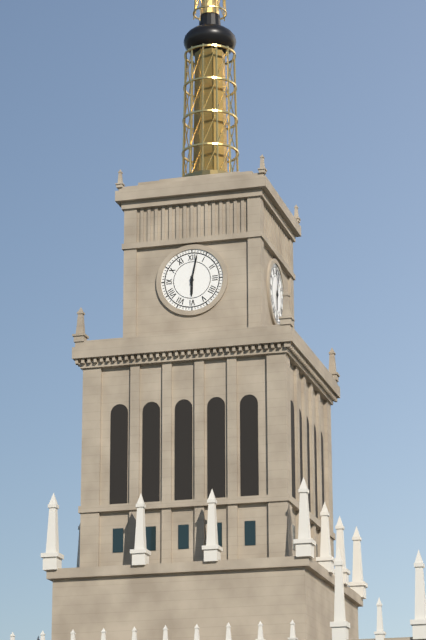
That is 6 h 02 min
